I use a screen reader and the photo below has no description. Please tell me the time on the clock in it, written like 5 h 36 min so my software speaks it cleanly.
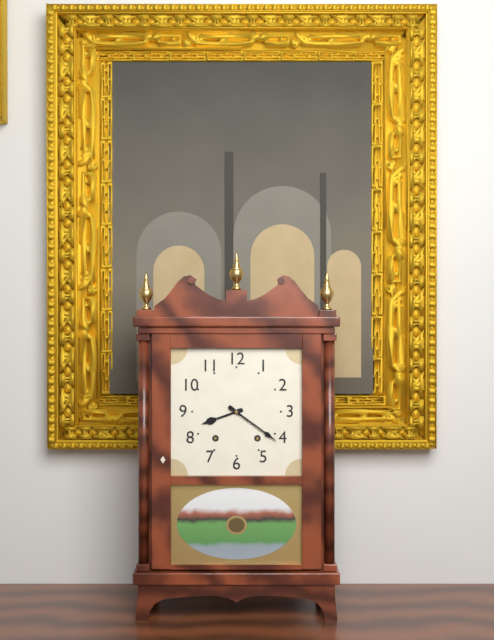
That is 8 h 21 min
